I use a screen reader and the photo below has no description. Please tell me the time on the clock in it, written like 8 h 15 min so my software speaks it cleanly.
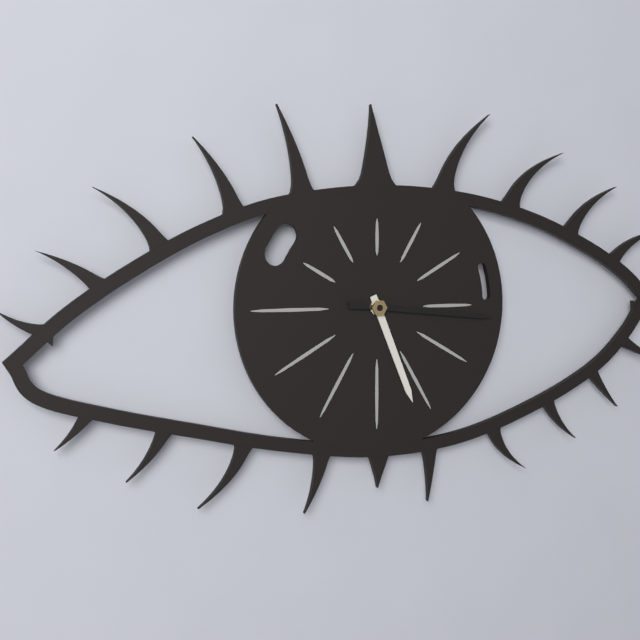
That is 5 h 16 min
